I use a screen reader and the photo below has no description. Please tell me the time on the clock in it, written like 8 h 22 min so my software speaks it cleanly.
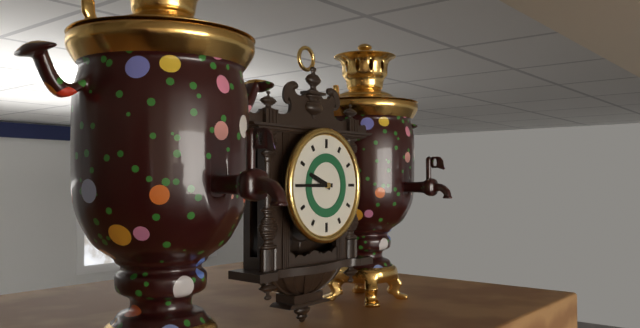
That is 9 h 45 min
